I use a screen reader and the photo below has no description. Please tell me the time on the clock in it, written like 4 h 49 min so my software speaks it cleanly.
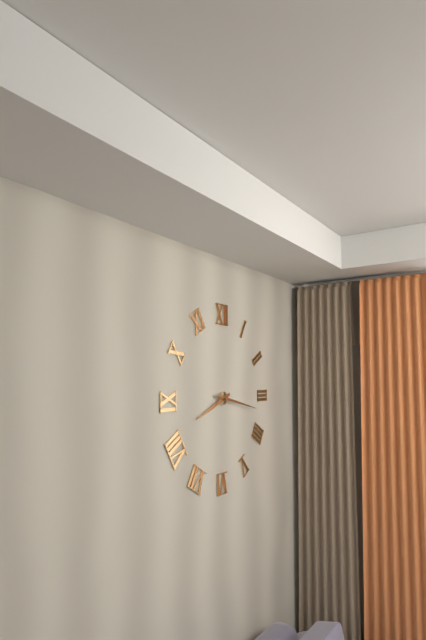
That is 8 h 17 min
